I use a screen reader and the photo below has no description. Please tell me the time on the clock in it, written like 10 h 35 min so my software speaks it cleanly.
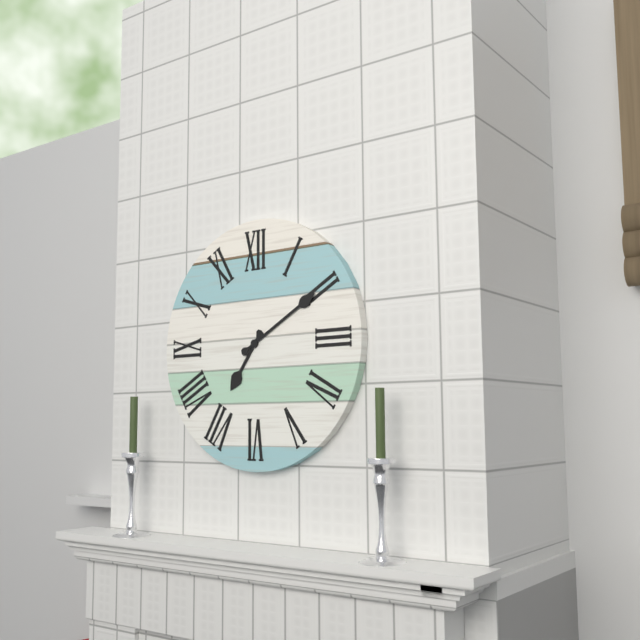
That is 7 h 10 min
